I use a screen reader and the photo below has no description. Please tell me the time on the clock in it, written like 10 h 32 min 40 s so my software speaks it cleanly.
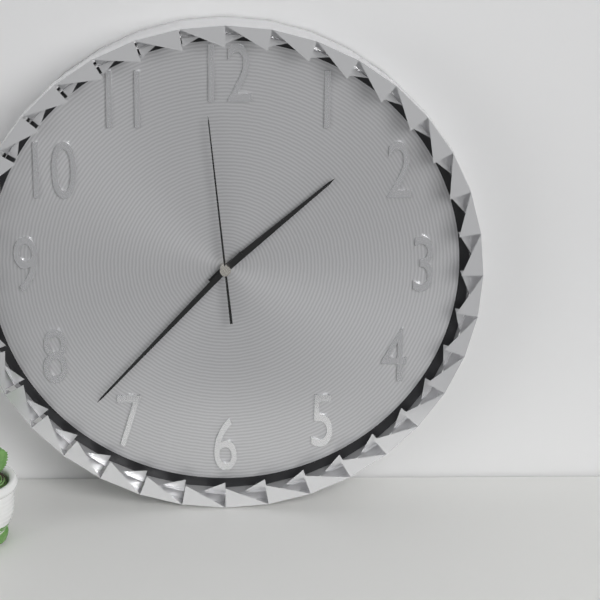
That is 1 h 37 min 59 s
